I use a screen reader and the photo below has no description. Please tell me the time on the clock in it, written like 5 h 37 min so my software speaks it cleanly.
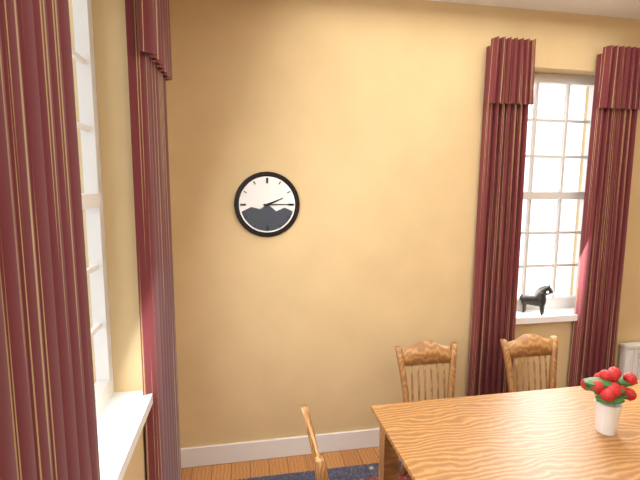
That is 2 h 15 min
